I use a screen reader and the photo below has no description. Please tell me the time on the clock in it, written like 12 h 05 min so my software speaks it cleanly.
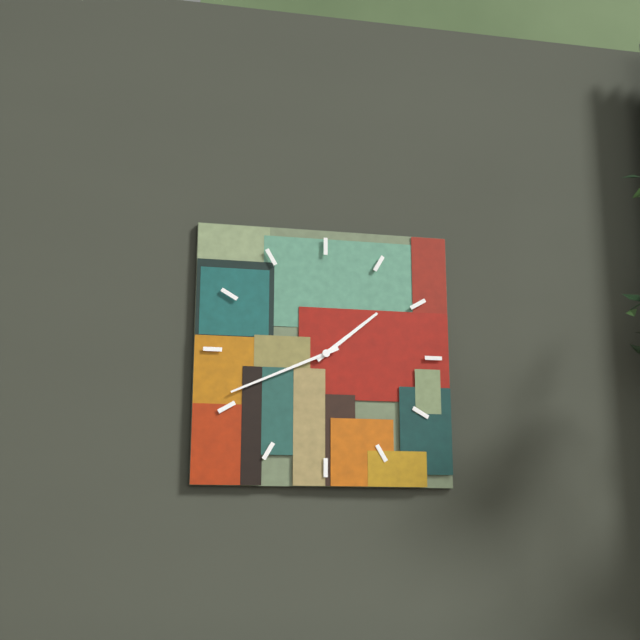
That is 1 h 41 min
